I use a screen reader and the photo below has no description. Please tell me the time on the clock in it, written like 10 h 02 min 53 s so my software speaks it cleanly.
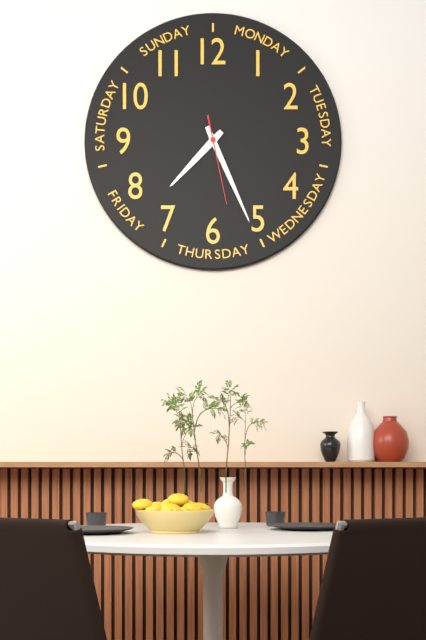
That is 7 h 26 min 28 s
